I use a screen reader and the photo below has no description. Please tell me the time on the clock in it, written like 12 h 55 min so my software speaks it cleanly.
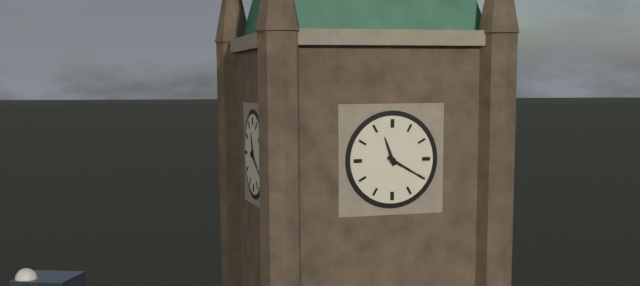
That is 11 h 20 min
